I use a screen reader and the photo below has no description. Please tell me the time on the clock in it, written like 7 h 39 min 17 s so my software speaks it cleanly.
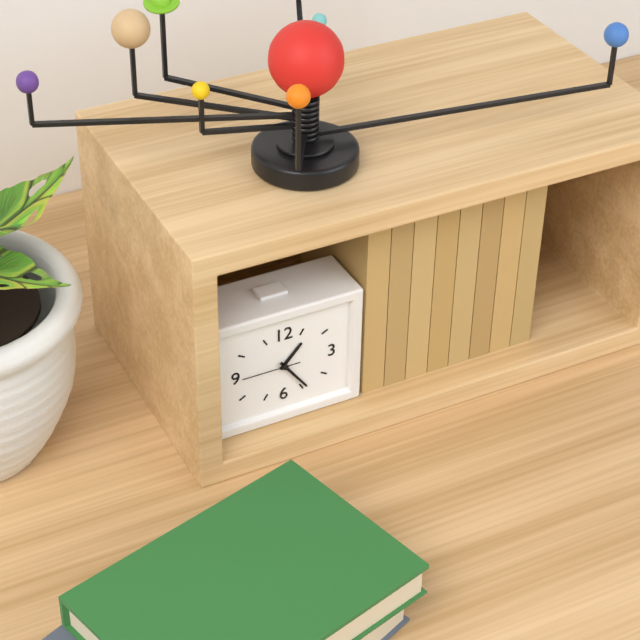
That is 1 h 24 min 45 s
